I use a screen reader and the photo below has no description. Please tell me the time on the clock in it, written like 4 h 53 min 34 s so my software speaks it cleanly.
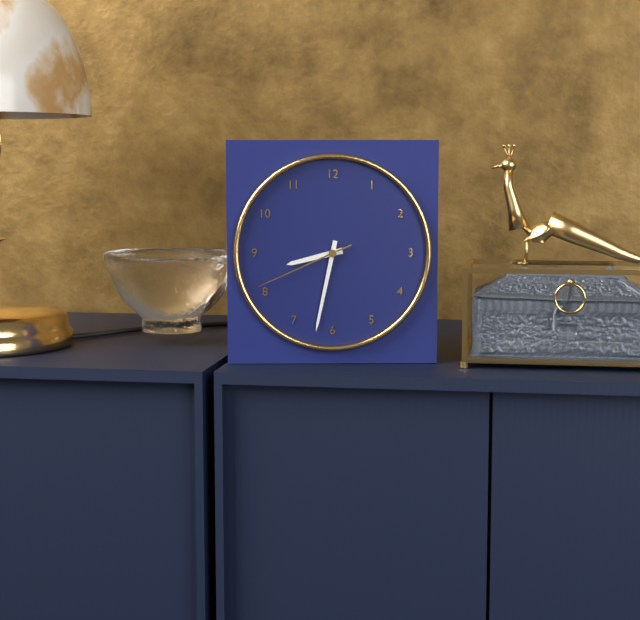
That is 8 h 32 min 41 s
